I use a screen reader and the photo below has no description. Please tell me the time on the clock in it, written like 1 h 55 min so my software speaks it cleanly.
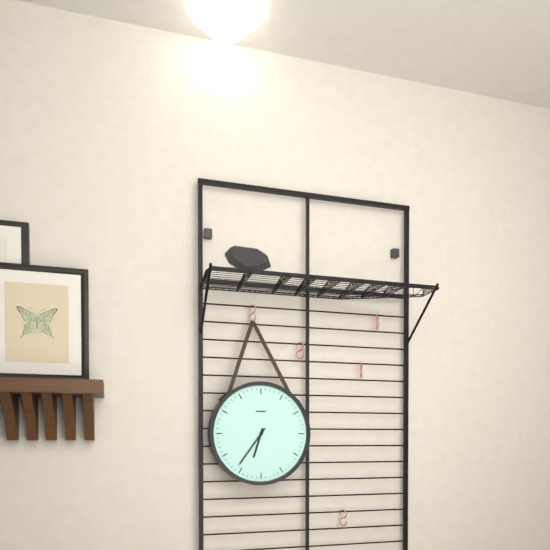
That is 6 h 36 min
